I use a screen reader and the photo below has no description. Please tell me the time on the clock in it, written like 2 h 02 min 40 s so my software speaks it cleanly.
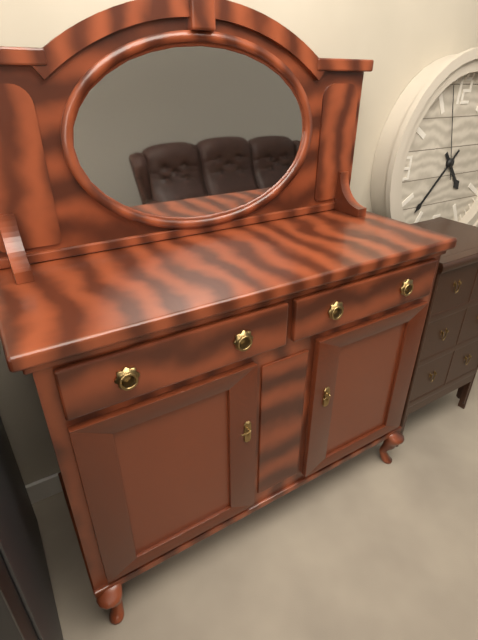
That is 4 h 37 min 57 s
